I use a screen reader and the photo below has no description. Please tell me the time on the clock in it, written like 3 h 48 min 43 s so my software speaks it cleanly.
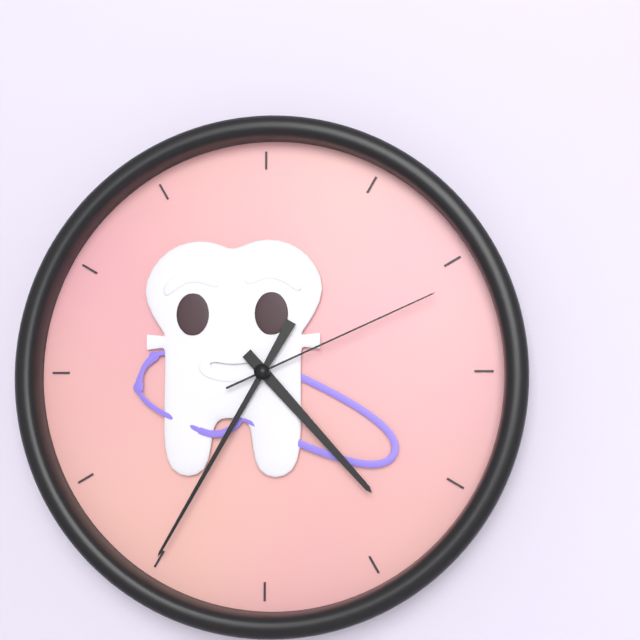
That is 4 h 35 min 11 s
